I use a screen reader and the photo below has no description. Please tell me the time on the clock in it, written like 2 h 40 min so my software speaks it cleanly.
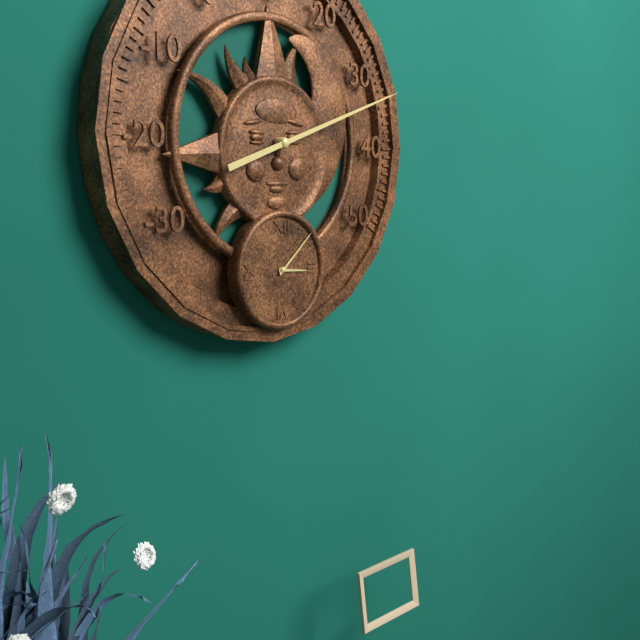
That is 3 h 08 min
